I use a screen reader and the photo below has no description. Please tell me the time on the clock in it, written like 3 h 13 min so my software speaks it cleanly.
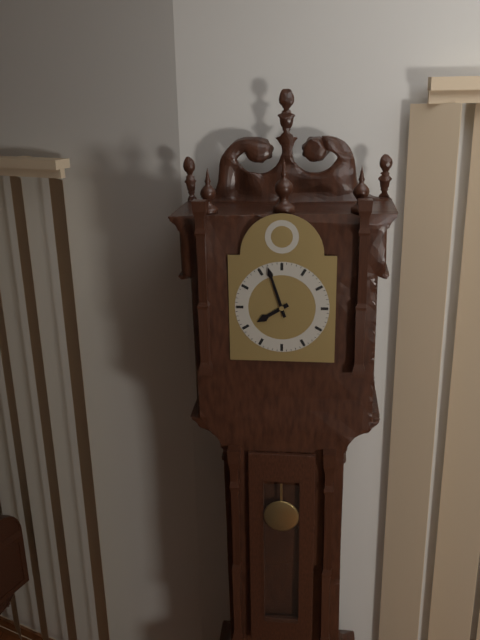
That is 7 h 57 min
